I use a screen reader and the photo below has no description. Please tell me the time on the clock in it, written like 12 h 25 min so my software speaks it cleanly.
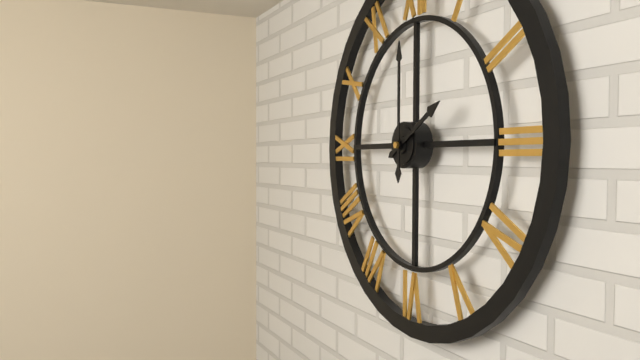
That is 2 h 00 min
